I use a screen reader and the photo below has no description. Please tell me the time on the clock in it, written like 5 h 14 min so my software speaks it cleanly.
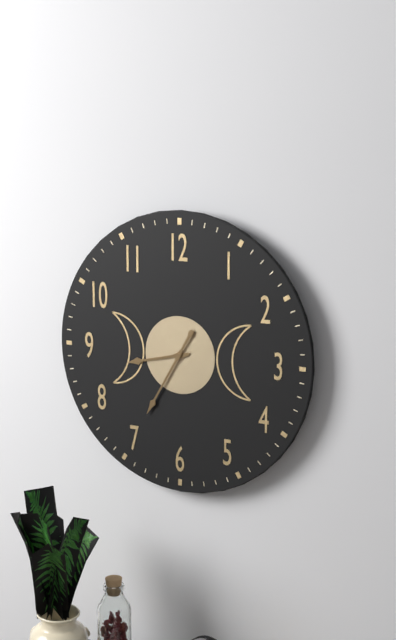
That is 8 h 35 min
